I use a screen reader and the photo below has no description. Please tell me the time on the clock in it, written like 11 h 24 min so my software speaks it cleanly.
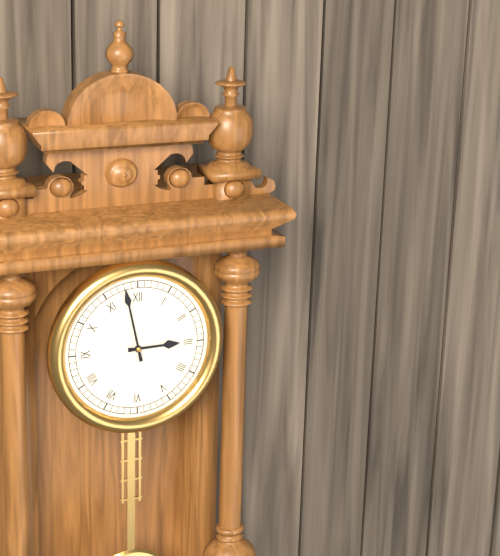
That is 2 h 58 min
